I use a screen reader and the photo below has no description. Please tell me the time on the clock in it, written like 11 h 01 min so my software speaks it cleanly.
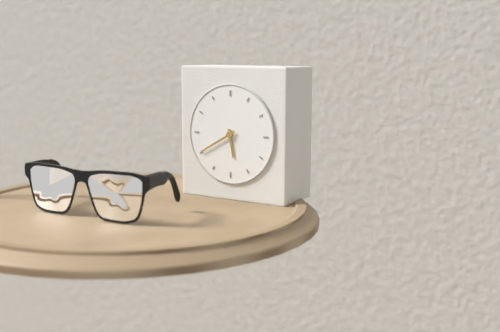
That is 5 h 40 min
